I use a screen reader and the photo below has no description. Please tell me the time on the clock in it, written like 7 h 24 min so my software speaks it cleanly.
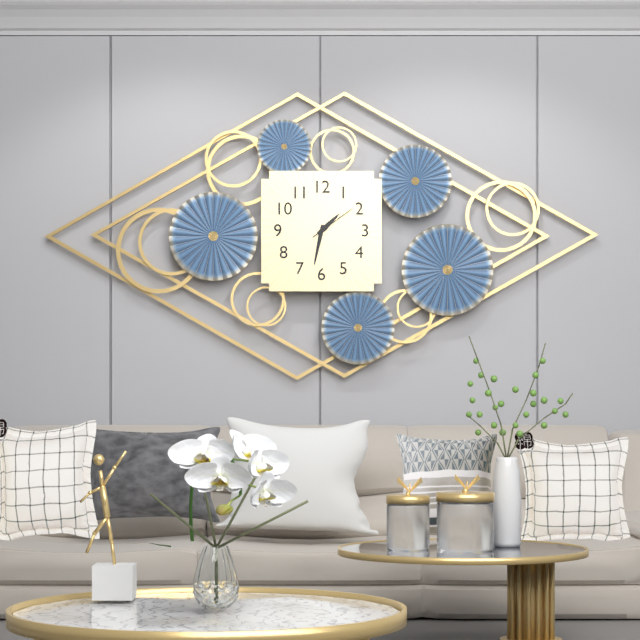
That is 1 h 32 min
